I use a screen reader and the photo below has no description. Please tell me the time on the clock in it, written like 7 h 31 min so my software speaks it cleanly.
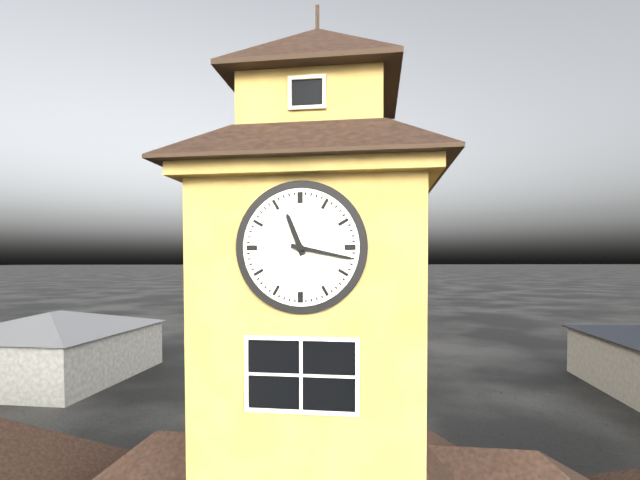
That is 11 h 17 min
